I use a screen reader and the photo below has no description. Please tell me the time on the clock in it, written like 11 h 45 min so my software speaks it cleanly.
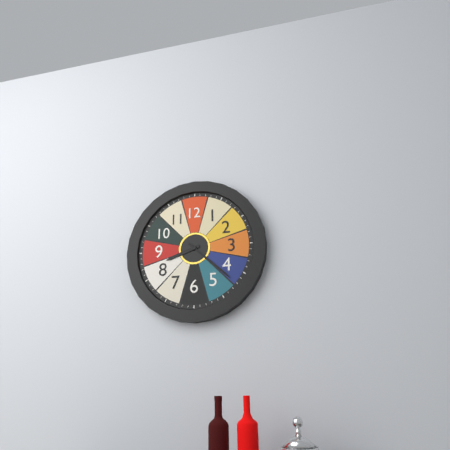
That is 8 h 22 min
